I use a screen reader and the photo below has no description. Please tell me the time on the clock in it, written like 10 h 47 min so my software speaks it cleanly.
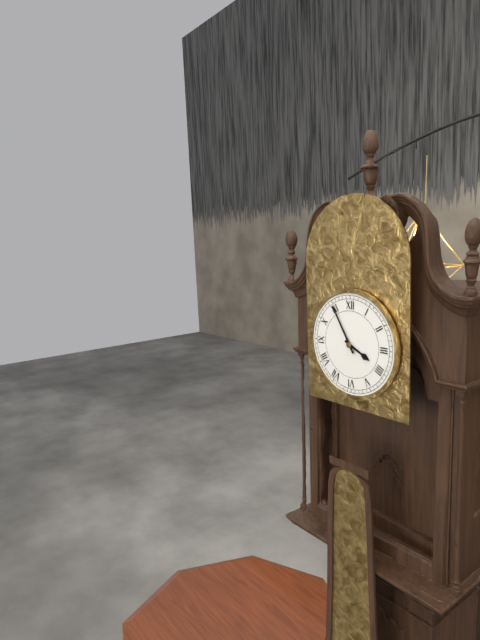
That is 3 h 55 min
